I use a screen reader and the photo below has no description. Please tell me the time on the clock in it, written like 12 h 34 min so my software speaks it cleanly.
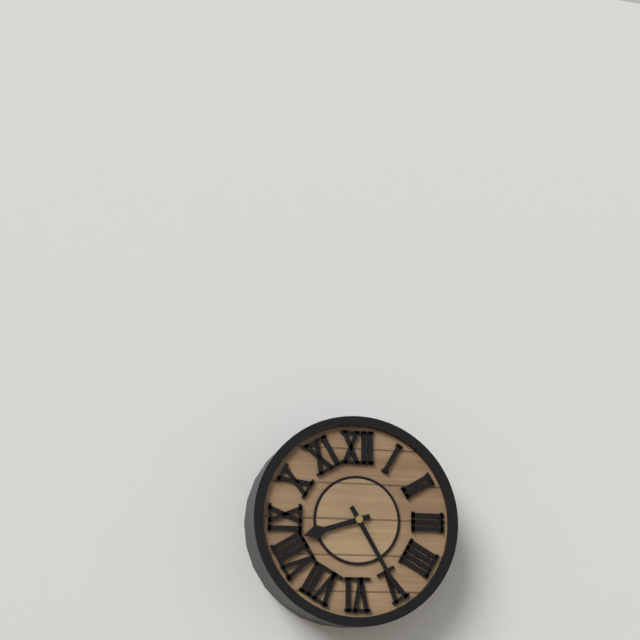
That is 8 h 25 min
